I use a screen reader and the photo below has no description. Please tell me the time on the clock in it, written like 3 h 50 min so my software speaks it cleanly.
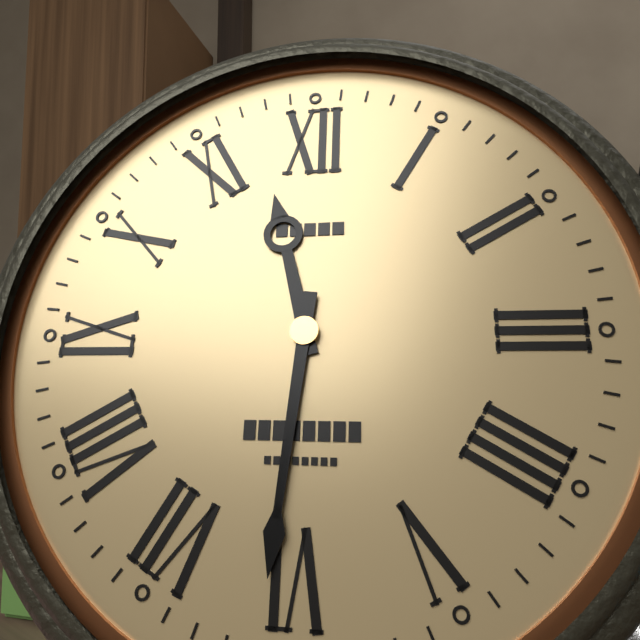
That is 11 h 31 min
